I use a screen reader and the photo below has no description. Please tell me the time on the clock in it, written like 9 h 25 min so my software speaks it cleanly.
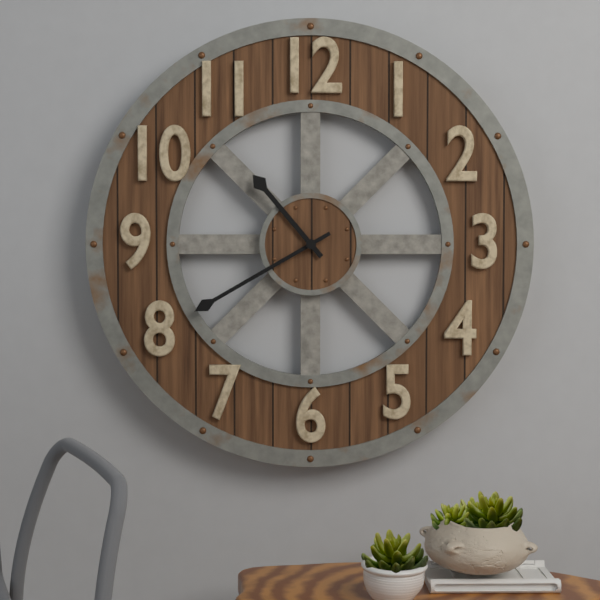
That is 10 h 40 min
